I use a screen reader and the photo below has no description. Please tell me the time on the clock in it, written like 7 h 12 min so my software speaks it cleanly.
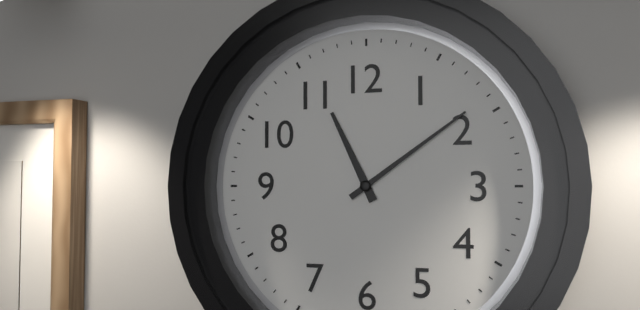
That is 11 h 09 min
